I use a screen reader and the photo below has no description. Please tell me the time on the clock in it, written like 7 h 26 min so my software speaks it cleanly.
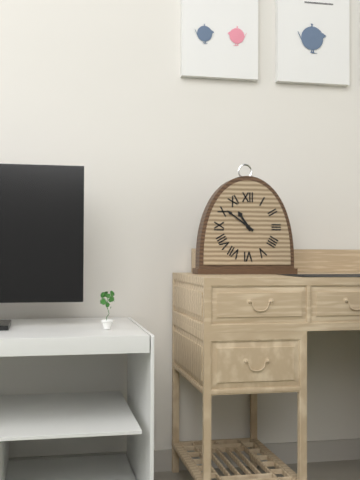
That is 10 h 51 min
